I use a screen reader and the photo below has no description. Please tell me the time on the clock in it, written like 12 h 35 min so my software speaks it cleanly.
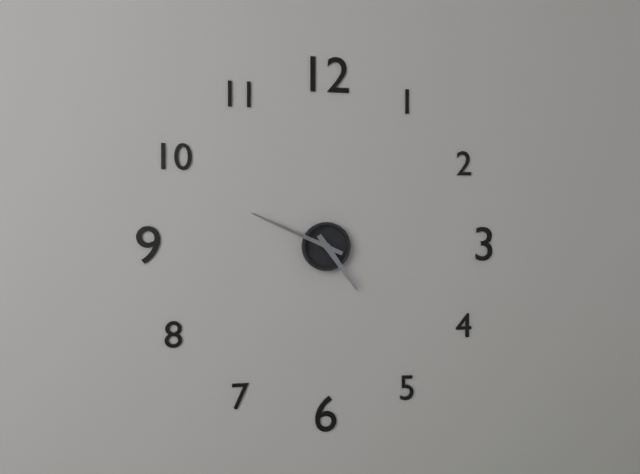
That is 4 h 49 min
